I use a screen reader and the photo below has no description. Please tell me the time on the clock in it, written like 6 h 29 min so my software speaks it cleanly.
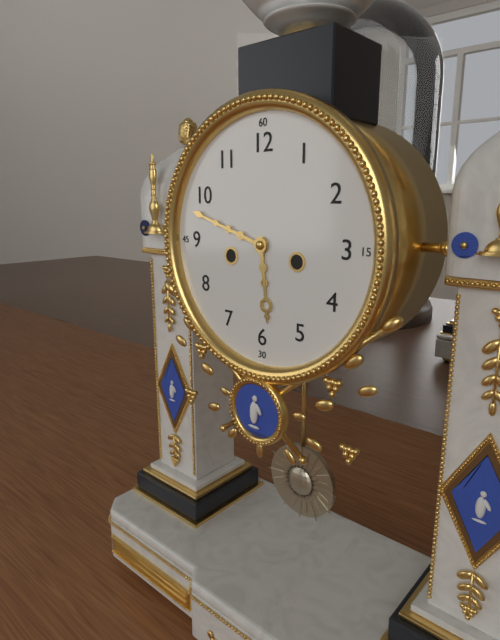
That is 5 h 48 min
